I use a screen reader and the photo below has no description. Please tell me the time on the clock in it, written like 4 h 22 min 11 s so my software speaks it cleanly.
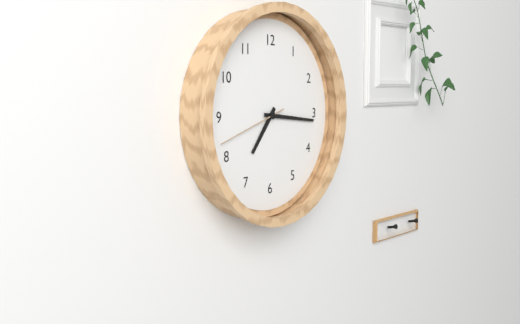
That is 7 h 16 min 42 s
